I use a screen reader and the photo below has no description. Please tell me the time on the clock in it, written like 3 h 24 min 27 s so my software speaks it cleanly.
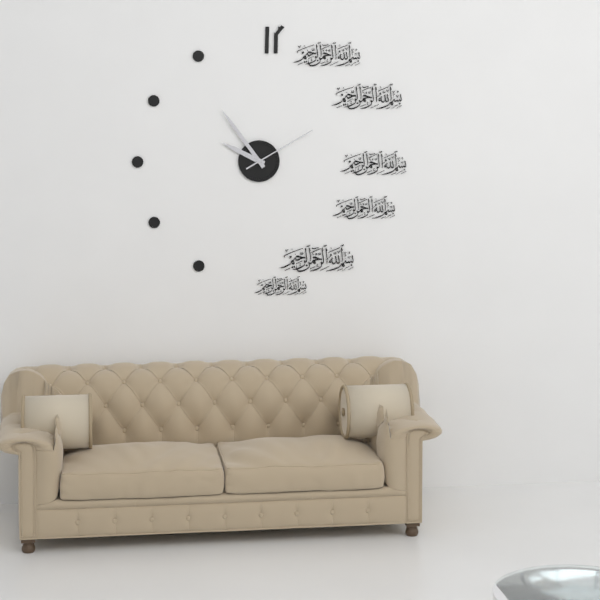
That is 9 h 54 min 10 s
